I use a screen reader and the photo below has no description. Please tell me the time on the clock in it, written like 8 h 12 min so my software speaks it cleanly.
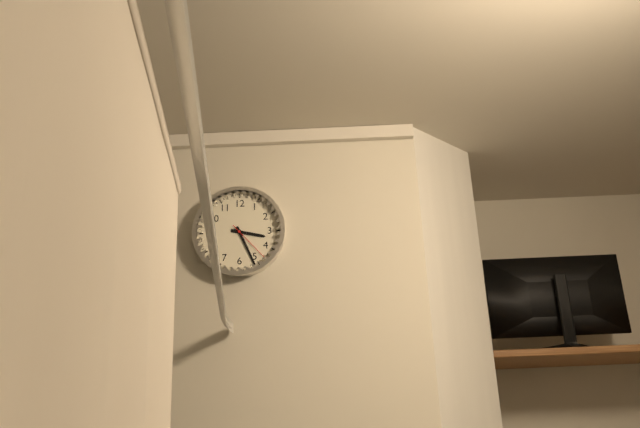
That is 3 h 26 min
